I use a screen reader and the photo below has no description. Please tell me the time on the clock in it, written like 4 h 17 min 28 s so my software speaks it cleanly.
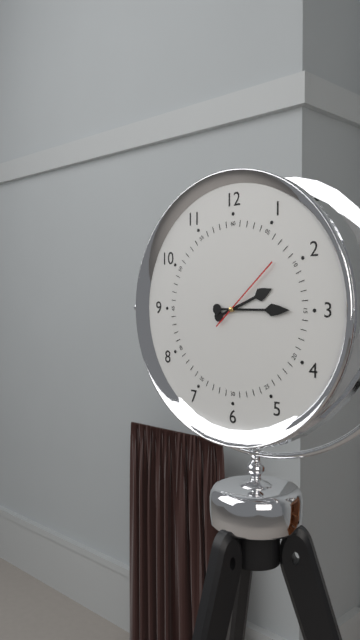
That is 2 h 15 min 08 s
